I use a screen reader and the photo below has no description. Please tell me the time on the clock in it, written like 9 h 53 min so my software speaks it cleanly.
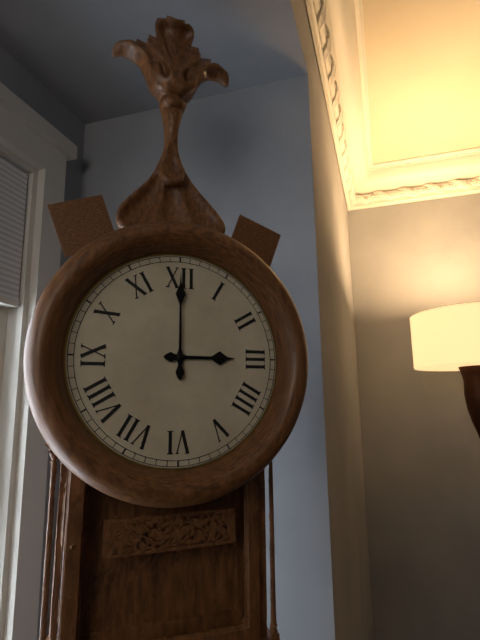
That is 3 h 00 min
